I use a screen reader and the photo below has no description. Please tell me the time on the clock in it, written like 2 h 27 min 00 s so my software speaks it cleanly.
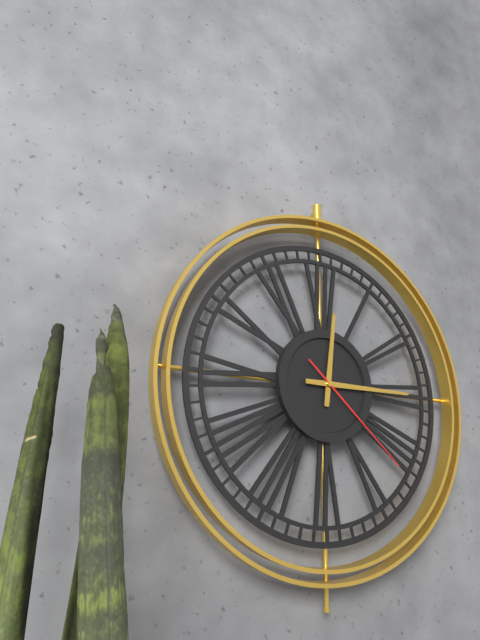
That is 12 h 15 min 22 s
